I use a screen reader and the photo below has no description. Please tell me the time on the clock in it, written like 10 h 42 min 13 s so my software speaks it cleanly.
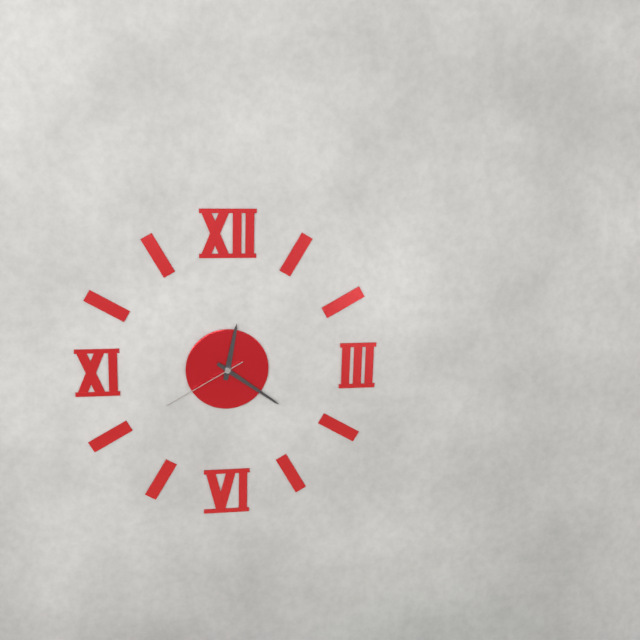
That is 12 h 21 min 40 s
